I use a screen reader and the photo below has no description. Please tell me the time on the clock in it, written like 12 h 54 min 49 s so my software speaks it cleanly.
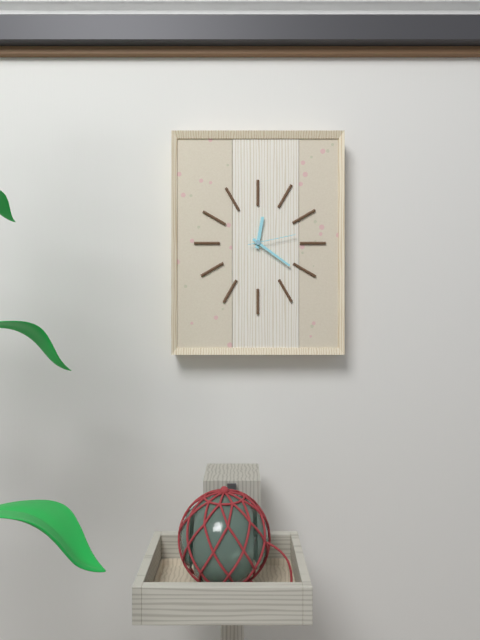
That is 12 h 21 min 13 s
